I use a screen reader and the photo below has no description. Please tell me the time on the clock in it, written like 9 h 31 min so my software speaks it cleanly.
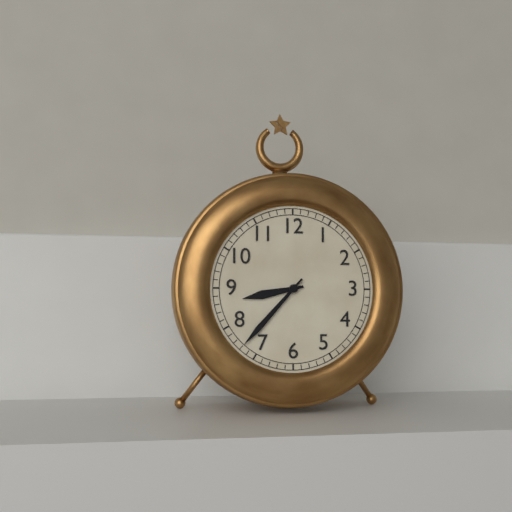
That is 8 h 37 min
